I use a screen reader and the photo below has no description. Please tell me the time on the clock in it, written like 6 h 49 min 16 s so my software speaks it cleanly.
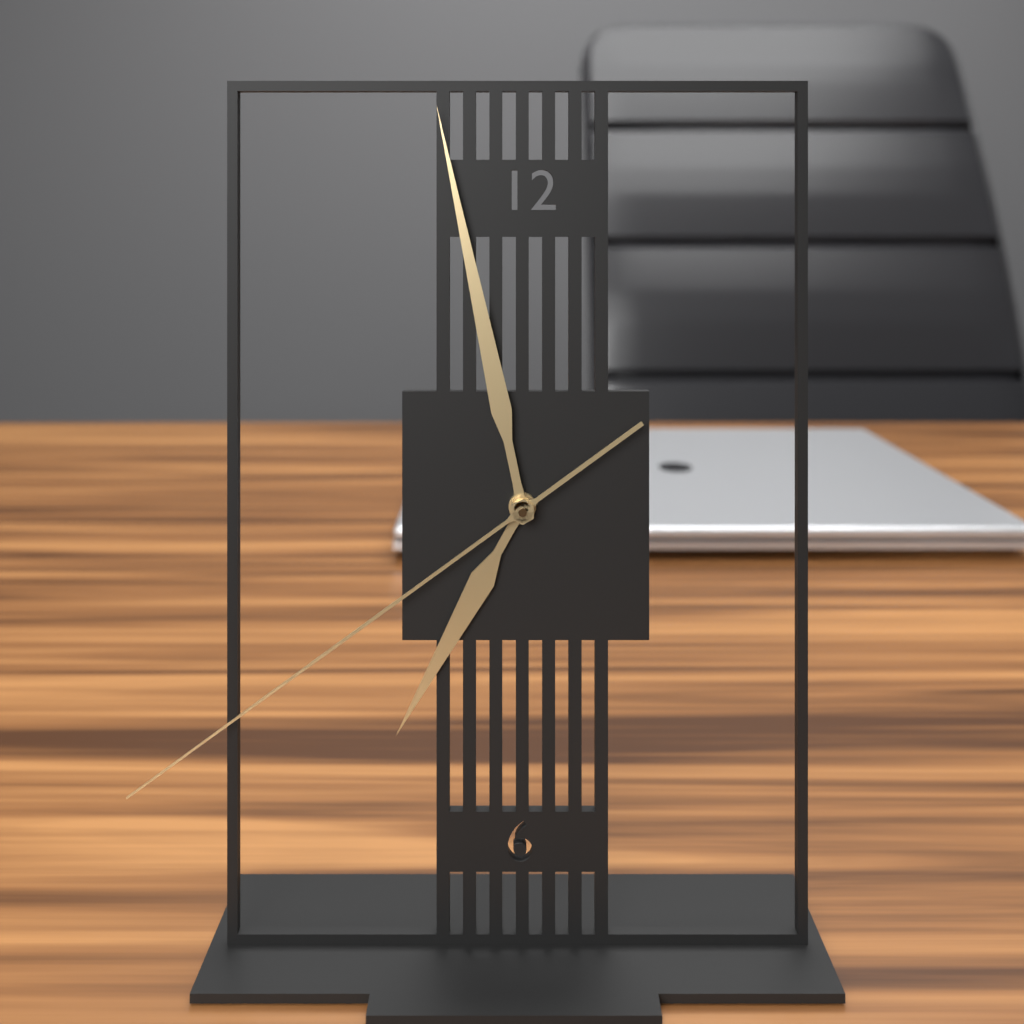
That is 6 h 58 min 39 s
